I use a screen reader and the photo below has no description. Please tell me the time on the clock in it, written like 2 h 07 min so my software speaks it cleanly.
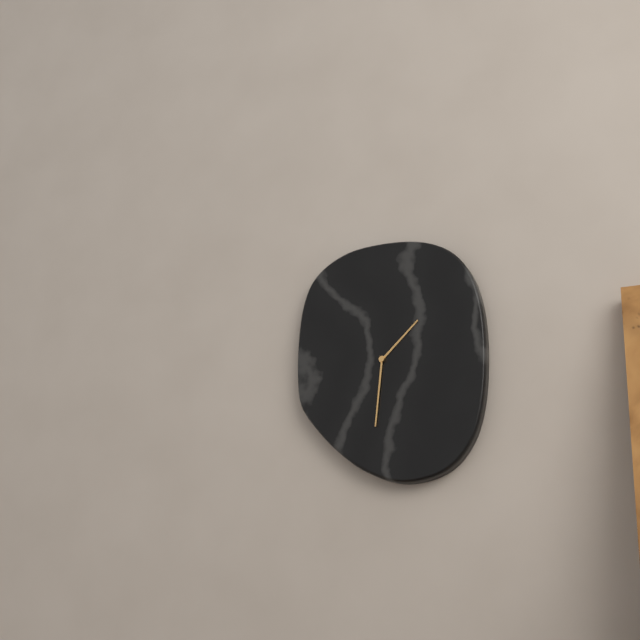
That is 1 h 31 min
